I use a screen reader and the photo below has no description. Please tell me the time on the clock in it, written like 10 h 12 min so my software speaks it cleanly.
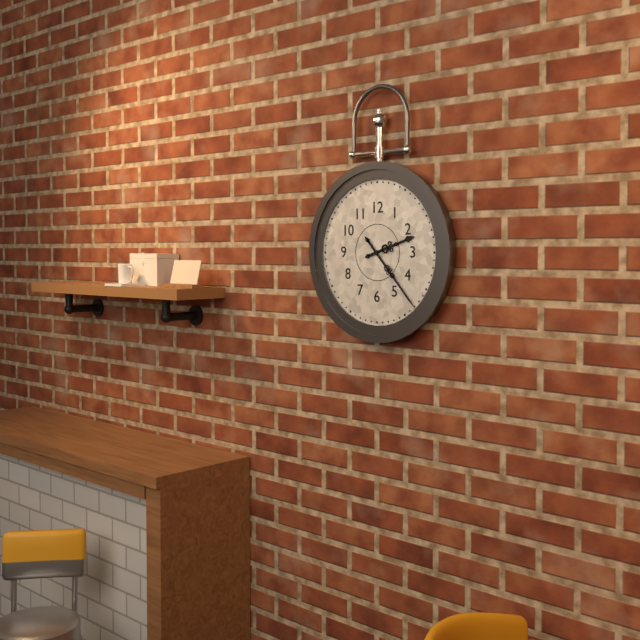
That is 2 h 23 min
